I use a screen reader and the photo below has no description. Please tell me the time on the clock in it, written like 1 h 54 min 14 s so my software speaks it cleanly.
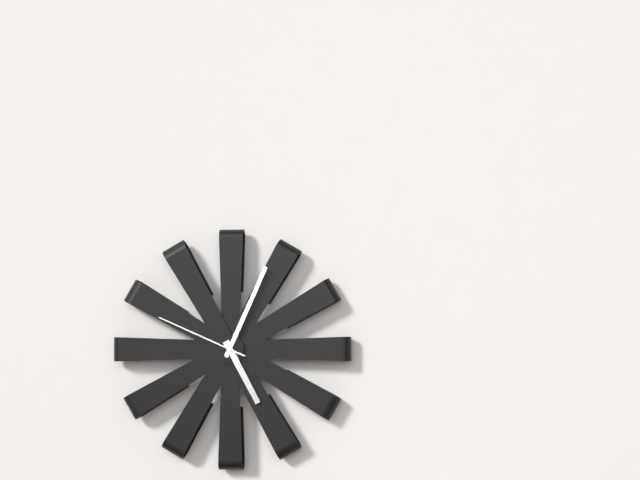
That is 5 h 04 min 49 s
